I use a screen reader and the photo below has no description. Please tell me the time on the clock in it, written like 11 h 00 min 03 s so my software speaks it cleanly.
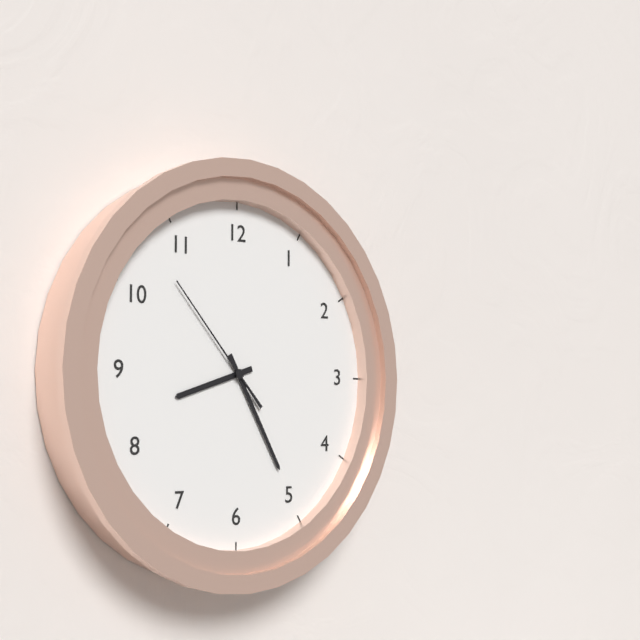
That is 8 h 25 min 53 s
